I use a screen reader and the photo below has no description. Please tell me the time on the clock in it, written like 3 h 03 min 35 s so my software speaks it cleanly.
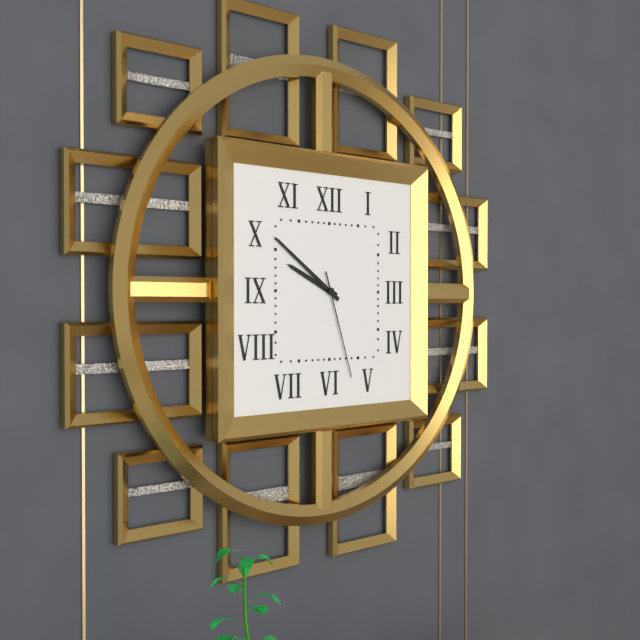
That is 9 h 51 min 27 s
